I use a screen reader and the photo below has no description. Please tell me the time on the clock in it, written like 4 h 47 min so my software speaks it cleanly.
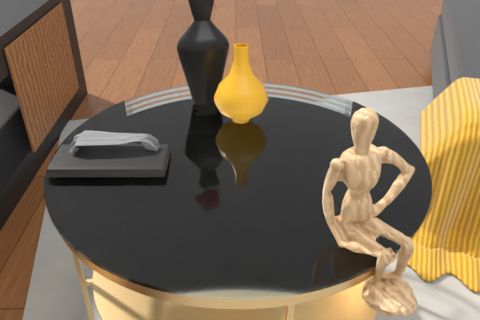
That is 11 h 00 min
